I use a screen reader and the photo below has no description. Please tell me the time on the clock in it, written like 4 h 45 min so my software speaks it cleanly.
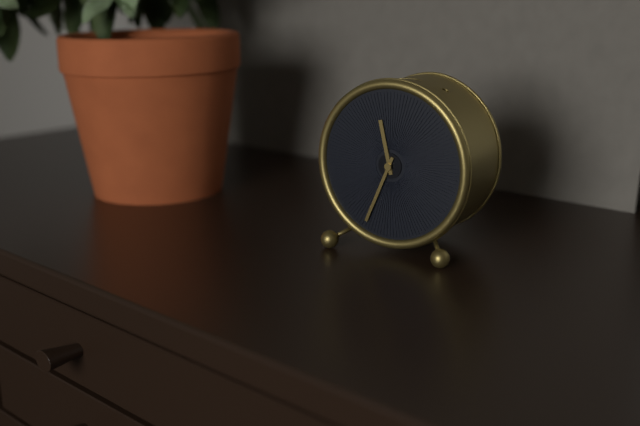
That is 11 h 34 min
